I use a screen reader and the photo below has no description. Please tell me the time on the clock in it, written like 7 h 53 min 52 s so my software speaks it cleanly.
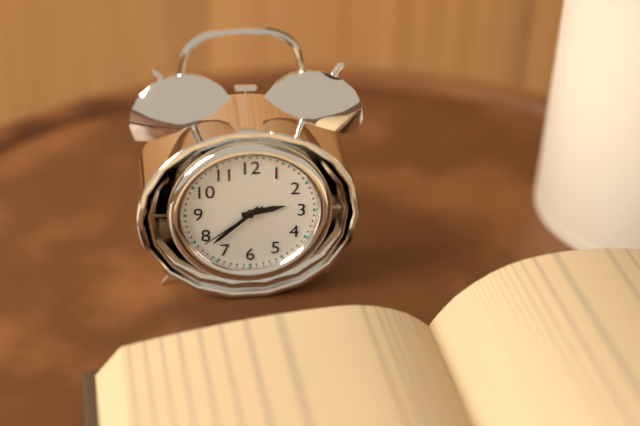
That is 2 h 38 min 39 s
